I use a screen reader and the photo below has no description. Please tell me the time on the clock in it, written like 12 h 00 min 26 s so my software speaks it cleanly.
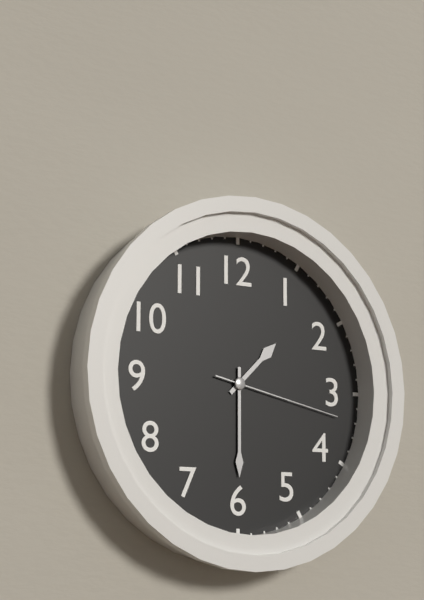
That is 1 h 30 min 17 s
